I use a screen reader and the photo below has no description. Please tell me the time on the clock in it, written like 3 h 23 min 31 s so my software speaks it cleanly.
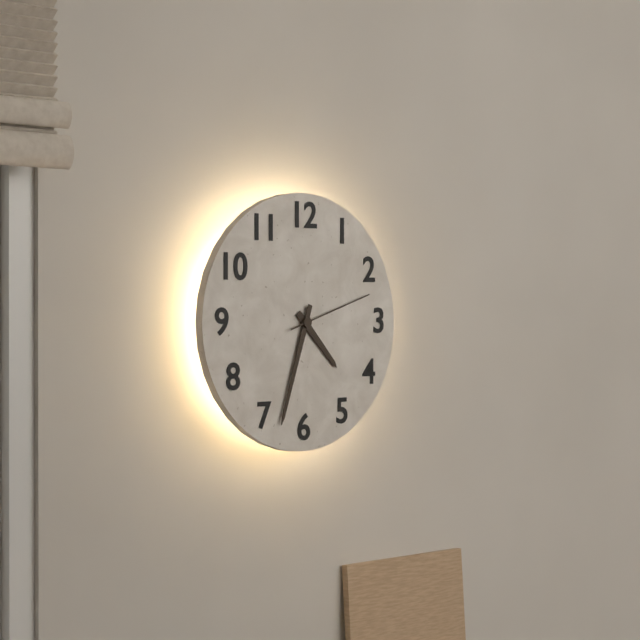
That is 4 h 33 min 12 s
